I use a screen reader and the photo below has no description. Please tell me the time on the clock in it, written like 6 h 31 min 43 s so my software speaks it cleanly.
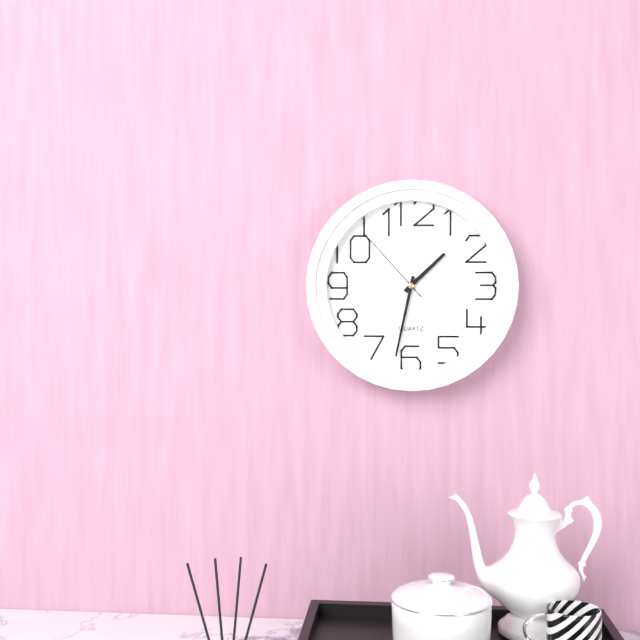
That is 1 h 32 min 53 s
